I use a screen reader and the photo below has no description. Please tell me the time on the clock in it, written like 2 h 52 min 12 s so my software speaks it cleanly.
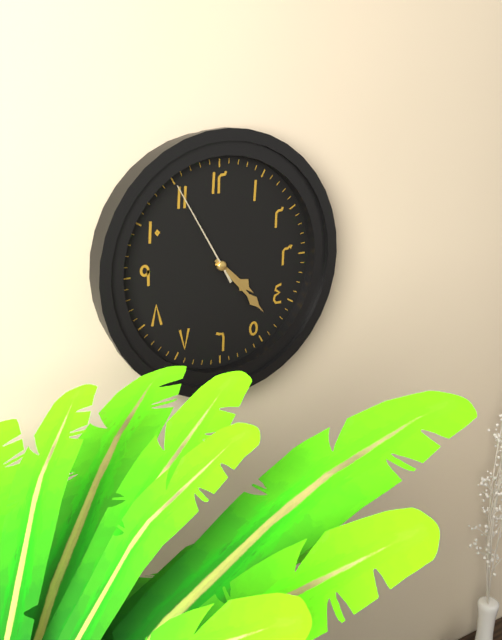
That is 4 h 23 min 55 s
